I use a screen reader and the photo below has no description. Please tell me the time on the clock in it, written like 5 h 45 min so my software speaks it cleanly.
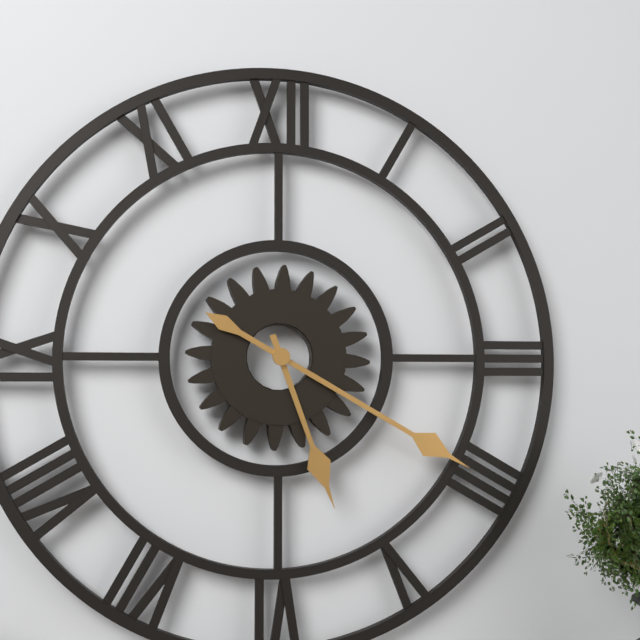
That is 5 h 20 min
